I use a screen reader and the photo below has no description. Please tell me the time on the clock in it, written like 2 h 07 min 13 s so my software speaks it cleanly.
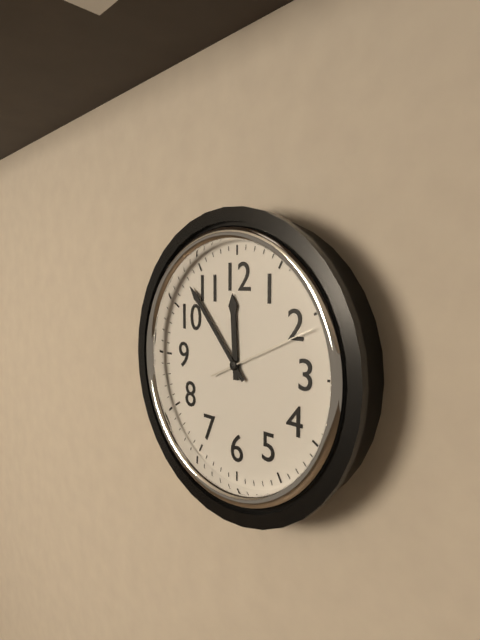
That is 11 h 53 min 11 s
